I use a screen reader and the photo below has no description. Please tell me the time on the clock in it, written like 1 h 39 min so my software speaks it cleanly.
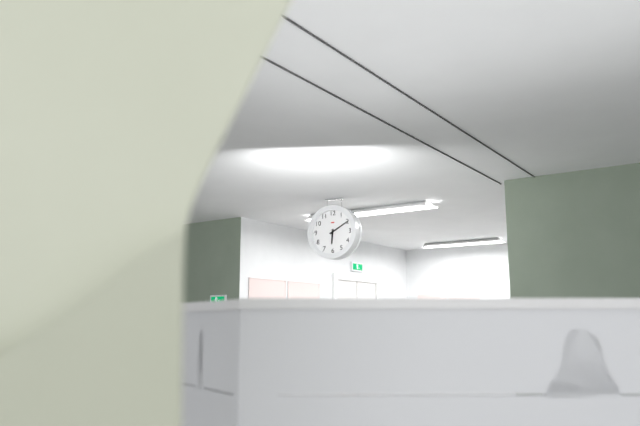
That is 6 h 10 min
